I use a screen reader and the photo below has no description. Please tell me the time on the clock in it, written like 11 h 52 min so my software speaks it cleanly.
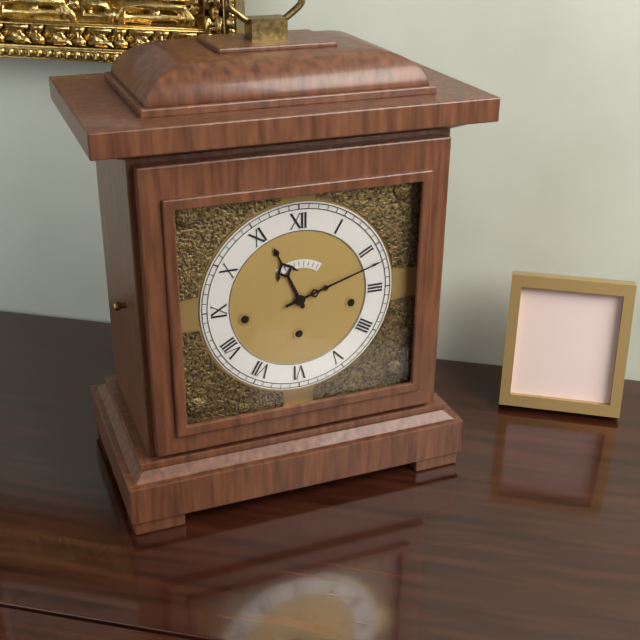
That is 11 h 12 min
